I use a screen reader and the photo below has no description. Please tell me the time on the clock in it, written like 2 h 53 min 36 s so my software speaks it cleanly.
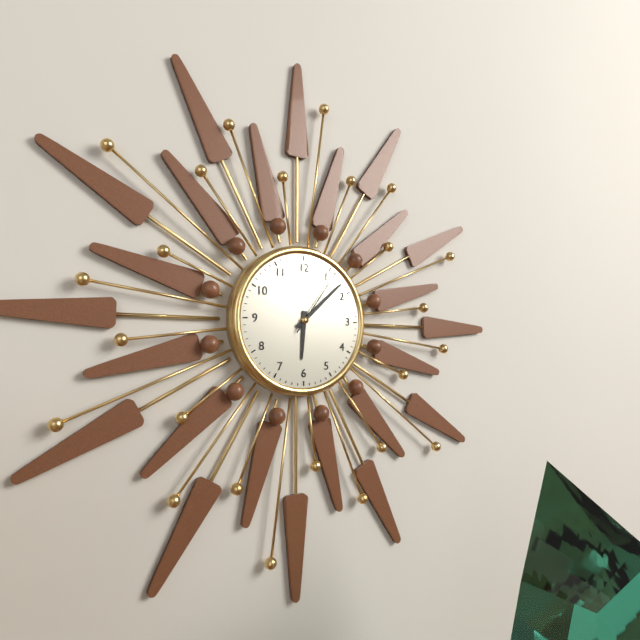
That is 6 h 08 min 06 s
